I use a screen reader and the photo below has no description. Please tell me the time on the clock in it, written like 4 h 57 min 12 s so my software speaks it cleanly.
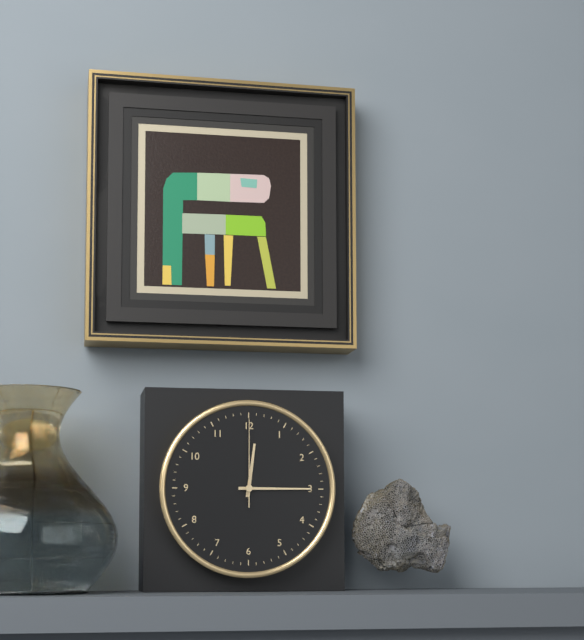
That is 12 h 15 min 00 s
